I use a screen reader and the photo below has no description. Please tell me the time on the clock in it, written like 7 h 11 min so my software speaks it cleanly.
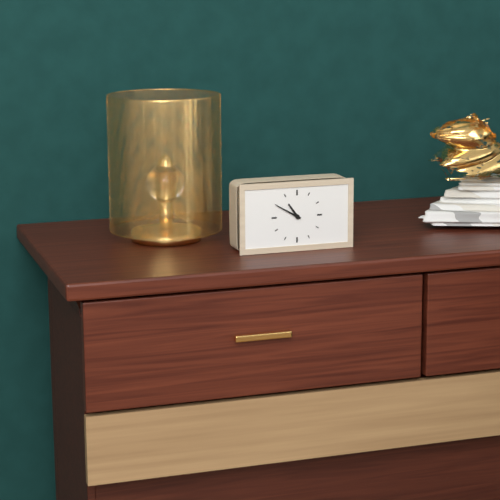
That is 10 h 50 min
